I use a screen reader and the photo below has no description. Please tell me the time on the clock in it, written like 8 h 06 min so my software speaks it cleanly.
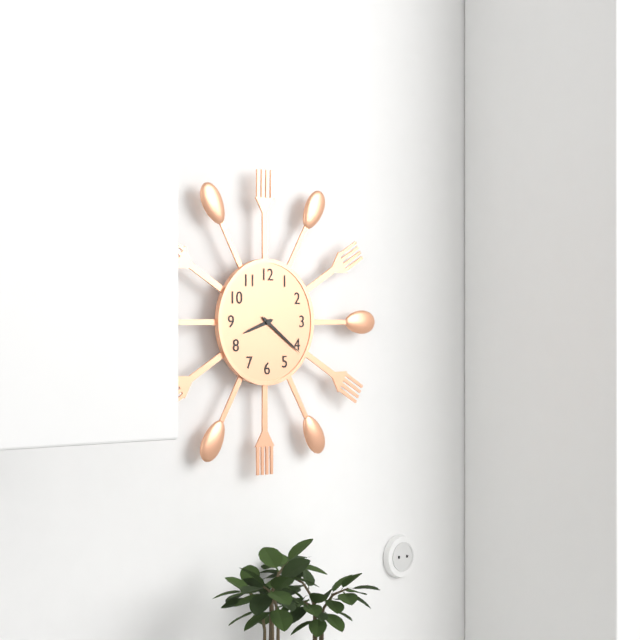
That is 8 h 21 min
